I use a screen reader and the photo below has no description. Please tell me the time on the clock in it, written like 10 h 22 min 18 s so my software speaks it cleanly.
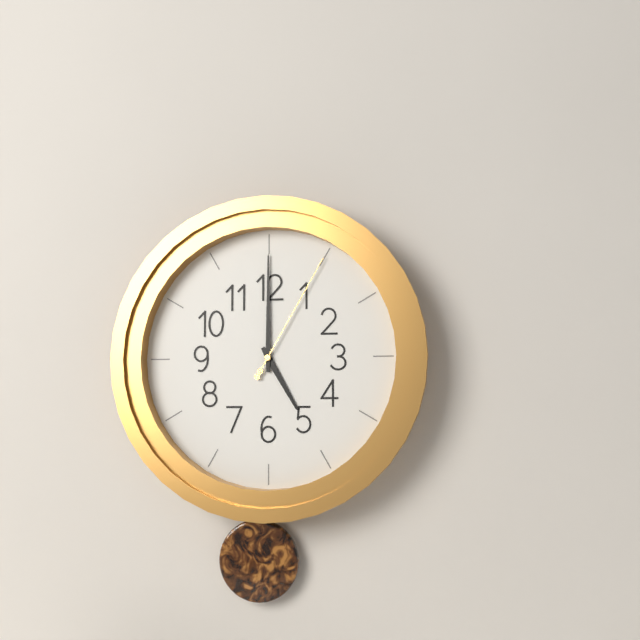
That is 5 h 00 min 05 s
